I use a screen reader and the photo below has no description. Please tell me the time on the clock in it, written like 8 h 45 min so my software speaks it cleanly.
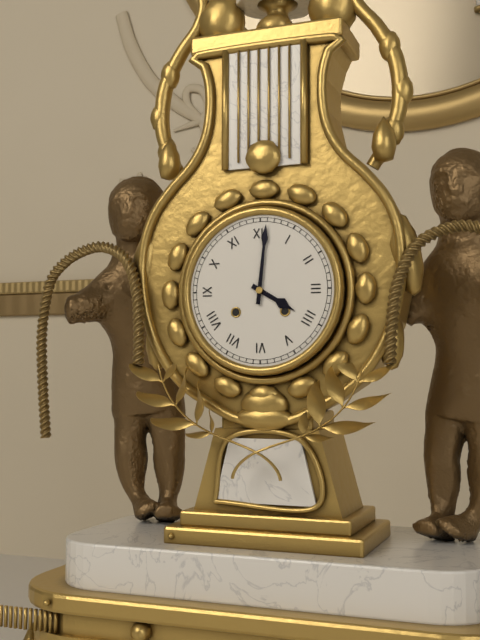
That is 4 h 01 min
